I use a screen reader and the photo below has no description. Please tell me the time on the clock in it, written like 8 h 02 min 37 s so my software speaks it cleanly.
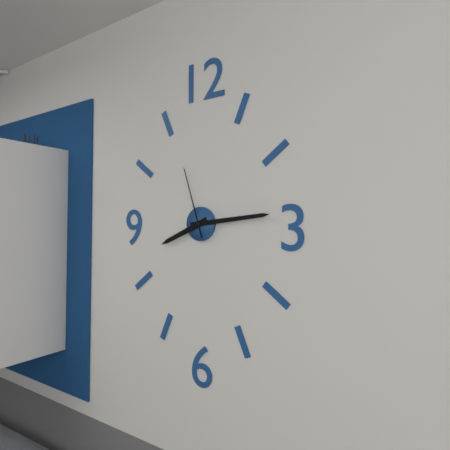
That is 8 h 14 min 57 s
